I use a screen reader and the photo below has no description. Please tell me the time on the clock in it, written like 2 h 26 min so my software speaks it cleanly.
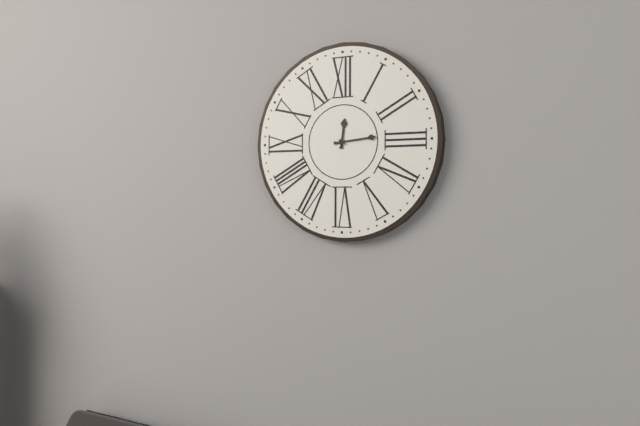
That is 12 h 14 min
